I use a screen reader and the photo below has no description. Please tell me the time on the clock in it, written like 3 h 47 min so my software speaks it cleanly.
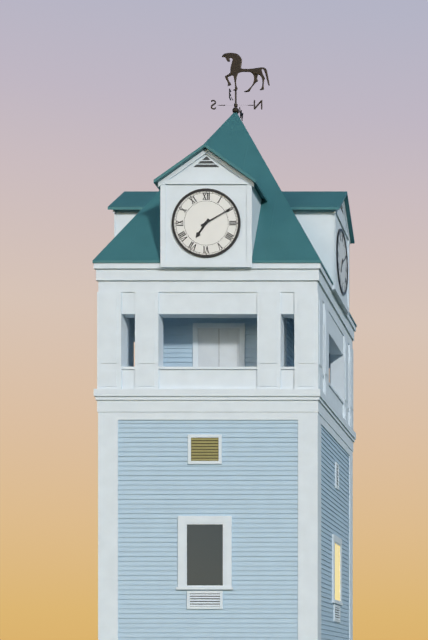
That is 7 h 10 min
